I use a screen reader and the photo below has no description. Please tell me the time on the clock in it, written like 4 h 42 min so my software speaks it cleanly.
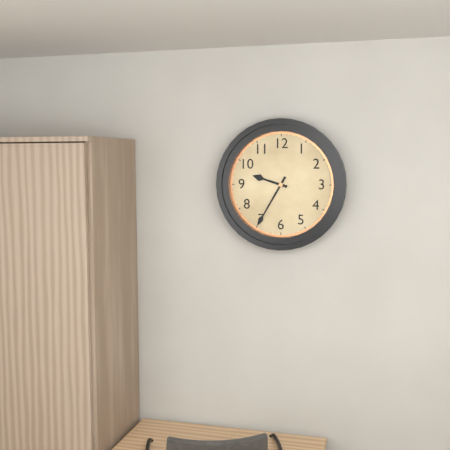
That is 9 h 35 min
